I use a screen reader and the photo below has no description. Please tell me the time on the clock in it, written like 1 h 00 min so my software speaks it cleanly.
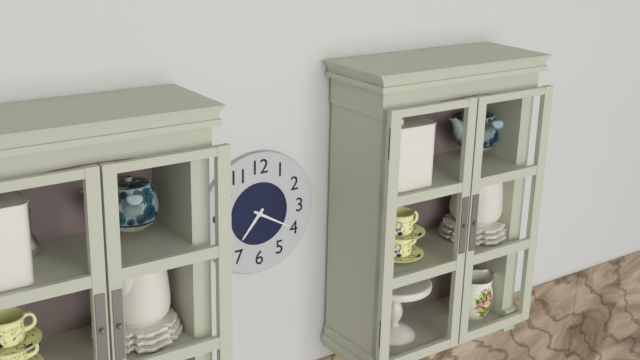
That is 7 h 20 min
